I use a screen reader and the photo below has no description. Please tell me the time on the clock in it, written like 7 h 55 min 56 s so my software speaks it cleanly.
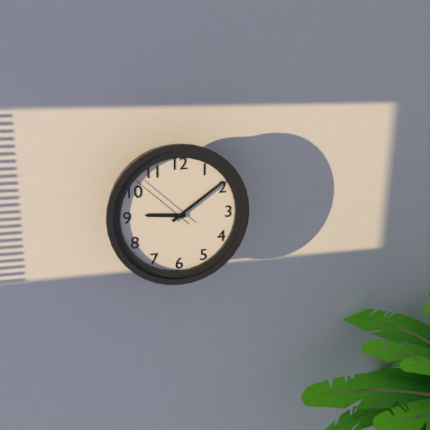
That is 9 h 09 min 52 s
